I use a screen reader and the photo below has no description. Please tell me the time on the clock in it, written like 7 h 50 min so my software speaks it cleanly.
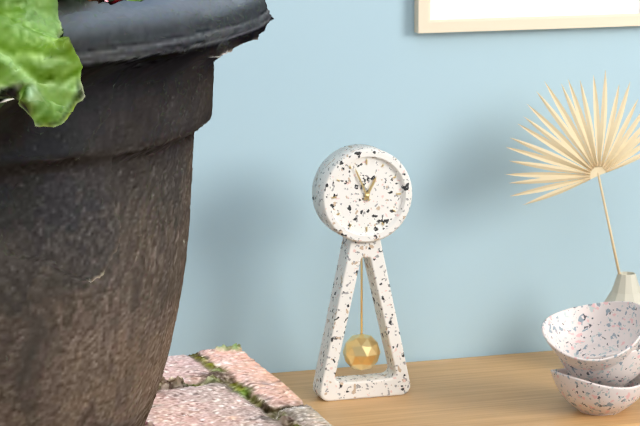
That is 12 h 56 min
